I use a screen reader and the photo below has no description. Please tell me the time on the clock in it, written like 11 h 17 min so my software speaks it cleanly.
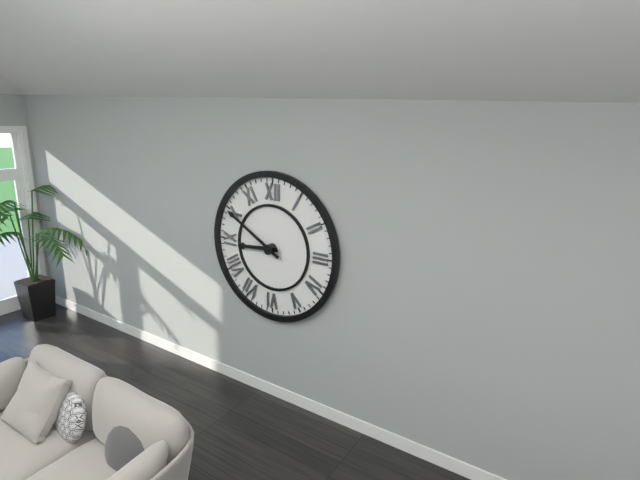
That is 8 h 50 min
